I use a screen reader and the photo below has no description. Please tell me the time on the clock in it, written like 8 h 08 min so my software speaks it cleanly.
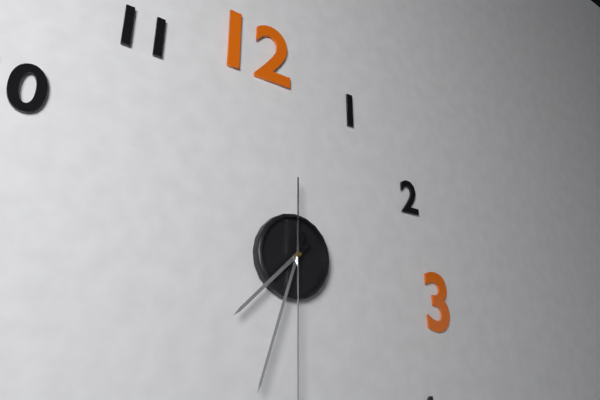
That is 7 h 33 min
